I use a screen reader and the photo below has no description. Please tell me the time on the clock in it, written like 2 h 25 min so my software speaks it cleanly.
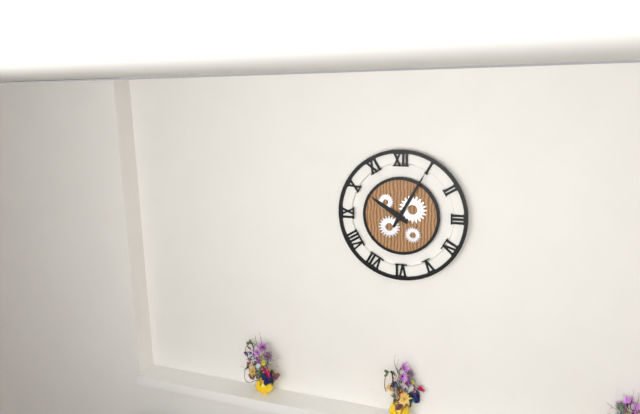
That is 10 h 05 min
